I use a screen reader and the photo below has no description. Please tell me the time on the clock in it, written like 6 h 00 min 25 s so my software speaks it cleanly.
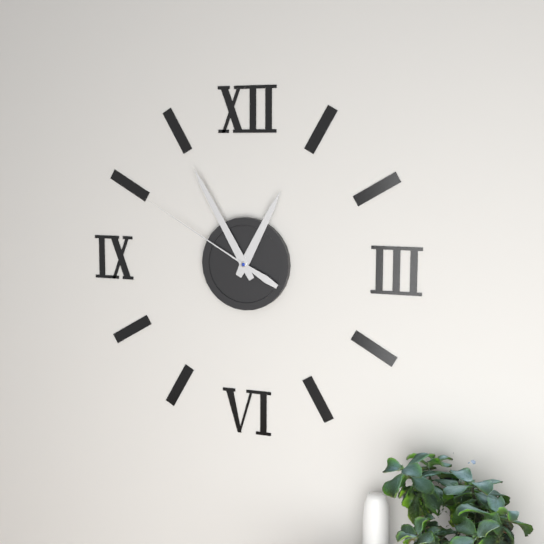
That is 12 h 55 min 50 s
